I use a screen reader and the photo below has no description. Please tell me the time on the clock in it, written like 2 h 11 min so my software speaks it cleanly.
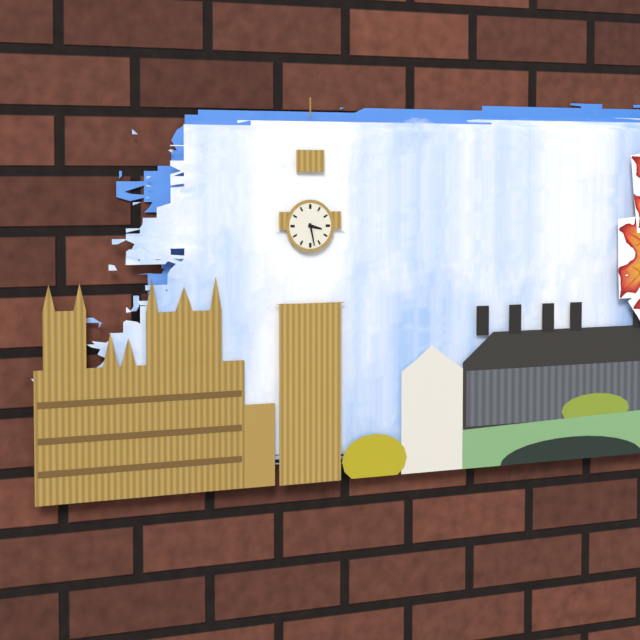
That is 3 h 28 min
